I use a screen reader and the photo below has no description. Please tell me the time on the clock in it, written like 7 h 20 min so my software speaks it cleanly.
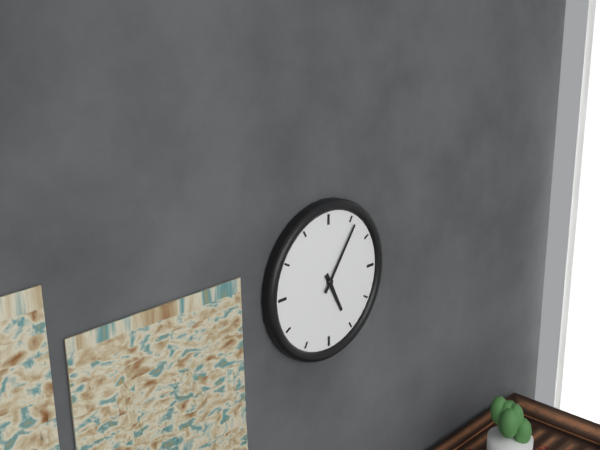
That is 5 h 06 min
